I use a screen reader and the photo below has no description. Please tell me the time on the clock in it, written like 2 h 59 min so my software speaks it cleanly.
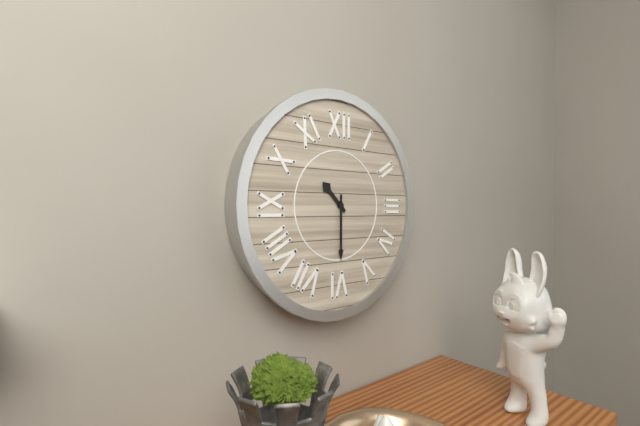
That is 10 h 30 min
